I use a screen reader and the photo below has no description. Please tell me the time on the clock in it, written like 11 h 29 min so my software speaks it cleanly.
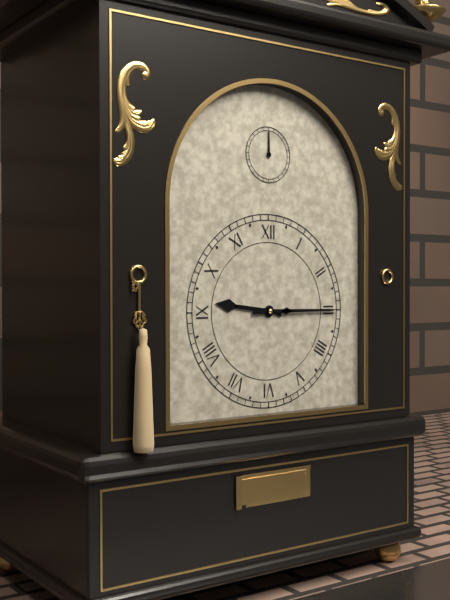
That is 9 h 15 min
